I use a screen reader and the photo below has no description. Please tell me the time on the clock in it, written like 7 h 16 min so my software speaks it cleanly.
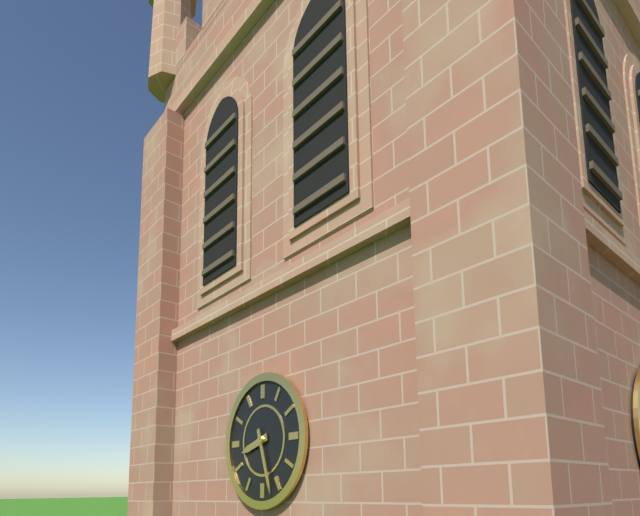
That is 8 h 27 min
